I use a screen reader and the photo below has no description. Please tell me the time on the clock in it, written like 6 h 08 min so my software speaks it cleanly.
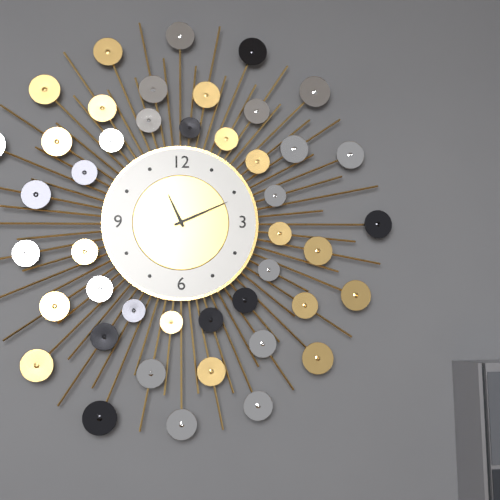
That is 11 h 11 min
